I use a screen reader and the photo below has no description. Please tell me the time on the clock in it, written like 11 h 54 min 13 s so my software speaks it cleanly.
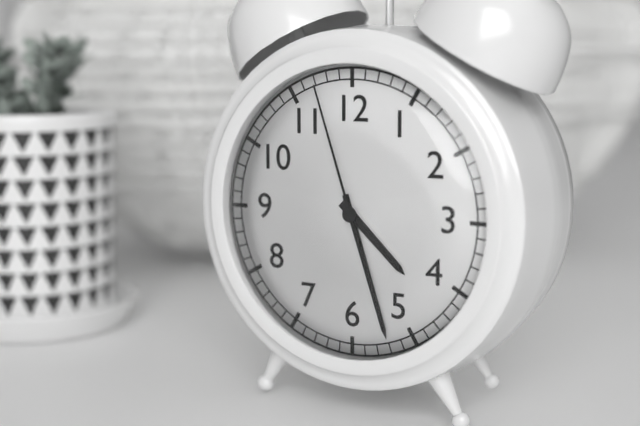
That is 4 h 27 min 57 s
